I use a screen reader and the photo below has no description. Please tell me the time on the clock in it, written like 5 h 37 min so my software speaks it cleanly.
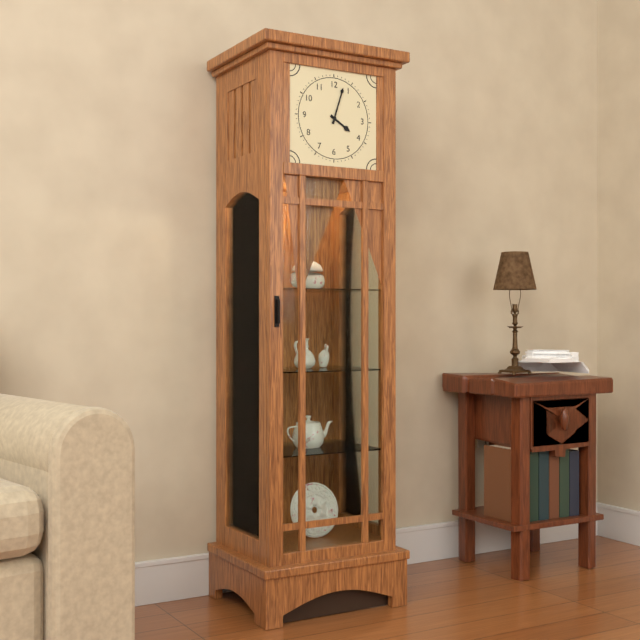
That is 4 h 03 min
